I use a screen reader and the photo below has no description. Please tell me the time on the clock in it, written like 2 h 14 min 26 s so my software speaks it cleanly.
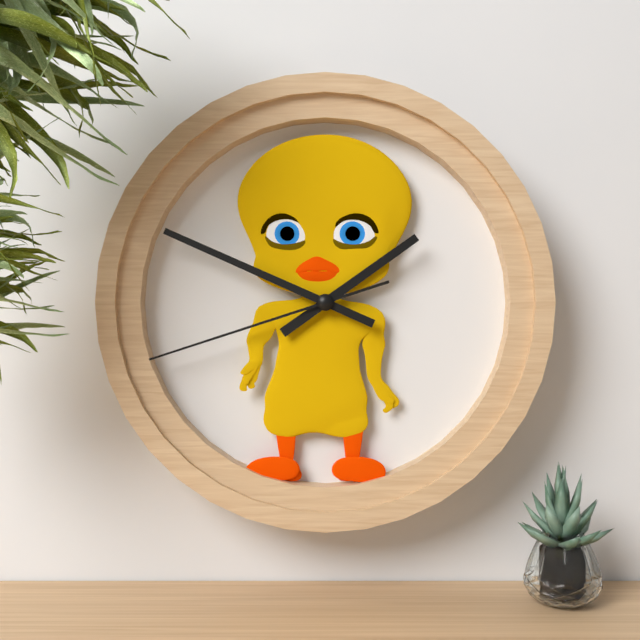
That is 1 h 49 min 42 s
